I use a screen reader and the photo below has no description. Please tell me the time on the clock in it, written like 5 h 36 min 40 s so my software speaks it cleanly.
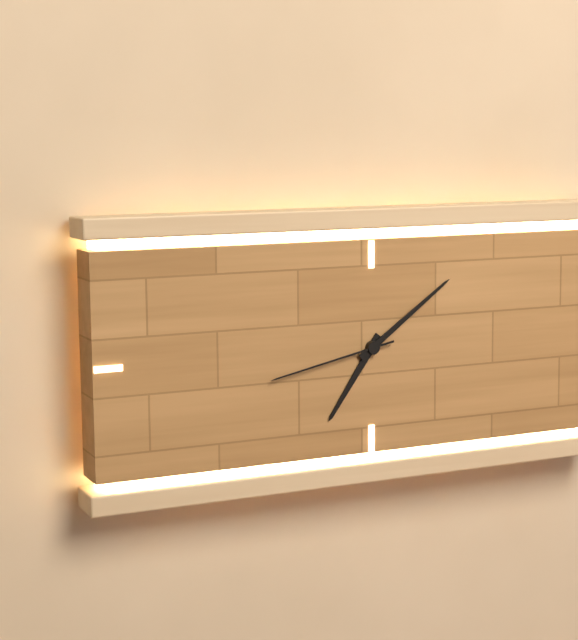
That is 7 h 09 min 43 s
